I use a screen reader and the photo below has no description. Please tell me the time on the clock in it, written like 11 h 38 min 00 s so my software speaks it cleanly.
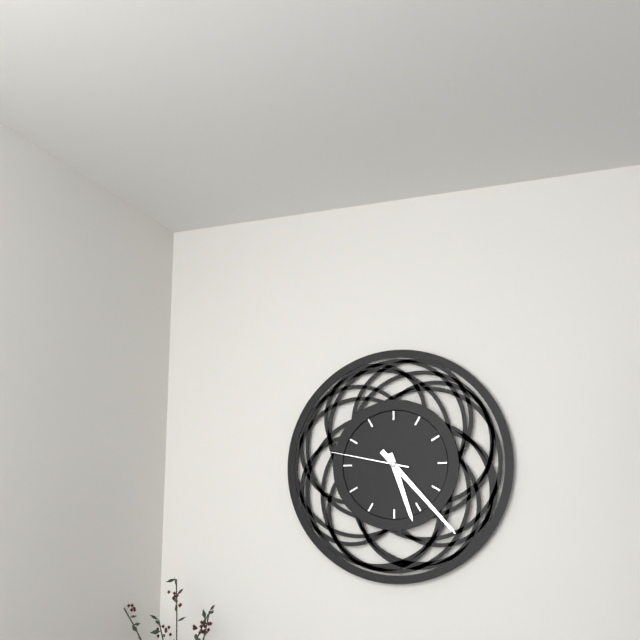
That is 5 h 23 min 47 s
